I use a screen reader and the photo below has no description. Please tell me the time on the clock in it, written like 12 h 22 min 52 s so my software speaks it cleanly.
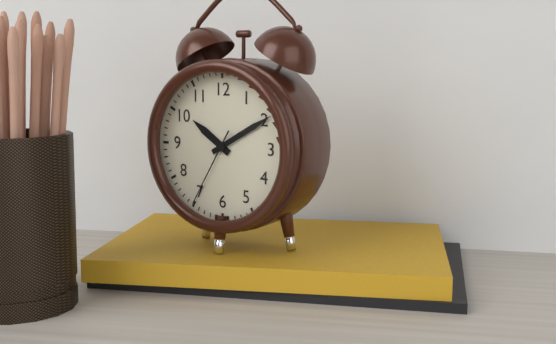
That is 10 h 10 min 35 s
